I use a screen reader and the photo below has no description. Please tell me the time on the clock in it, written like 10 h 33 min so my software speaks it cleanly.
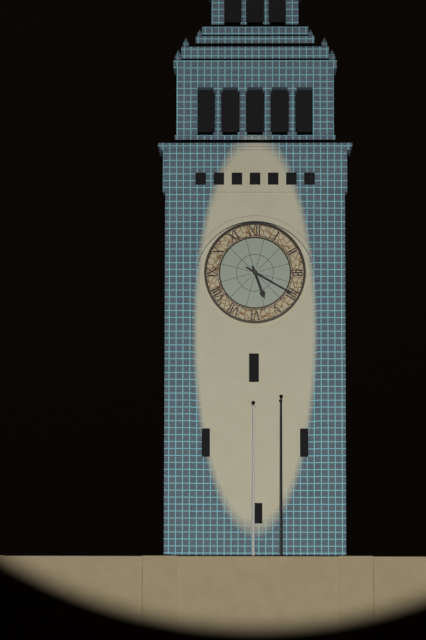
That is 5 h 20 min
